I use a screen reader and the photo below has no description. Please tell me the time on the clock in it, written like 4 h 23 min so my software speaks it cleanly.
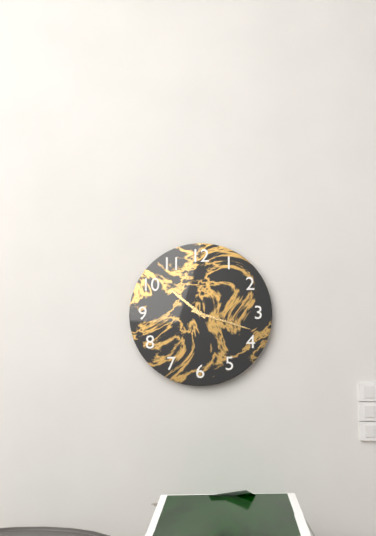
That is 10 h 18 min
